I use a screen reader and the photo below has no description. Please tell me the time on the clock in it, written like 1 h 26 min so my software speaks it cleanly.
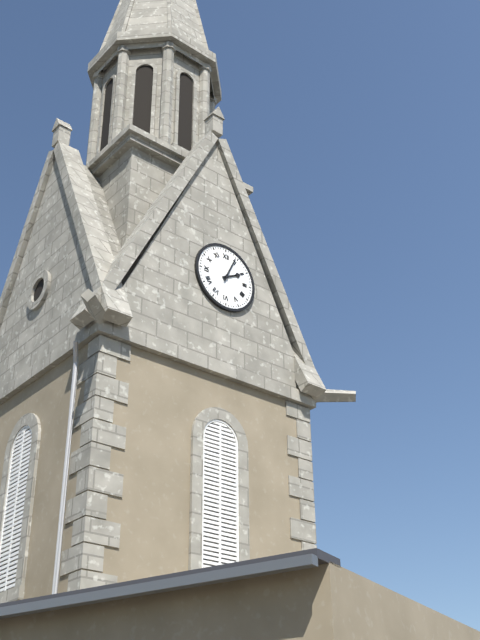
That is 2 h 04 min
